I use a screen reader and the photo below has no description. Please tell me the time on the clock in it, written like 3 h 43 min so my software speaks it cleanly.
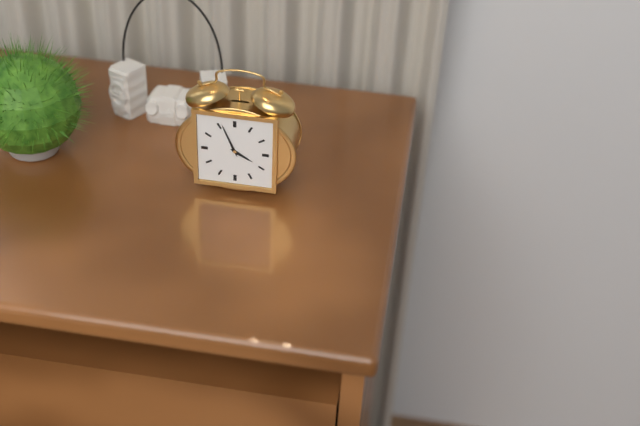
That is 3 h 56 min
